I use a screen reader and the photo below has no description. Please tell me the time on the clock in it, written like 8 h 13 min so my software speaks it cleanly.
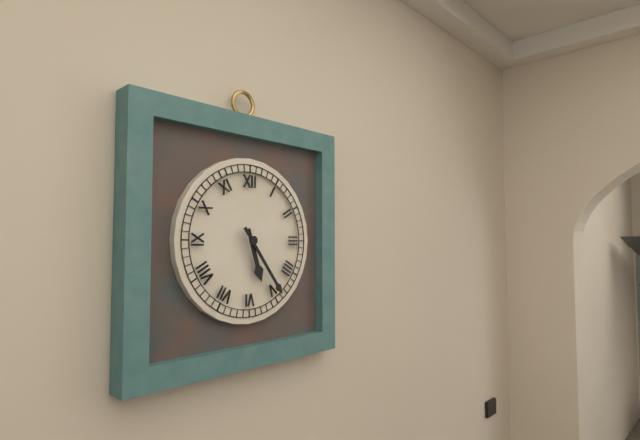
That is 5 h 24 min
